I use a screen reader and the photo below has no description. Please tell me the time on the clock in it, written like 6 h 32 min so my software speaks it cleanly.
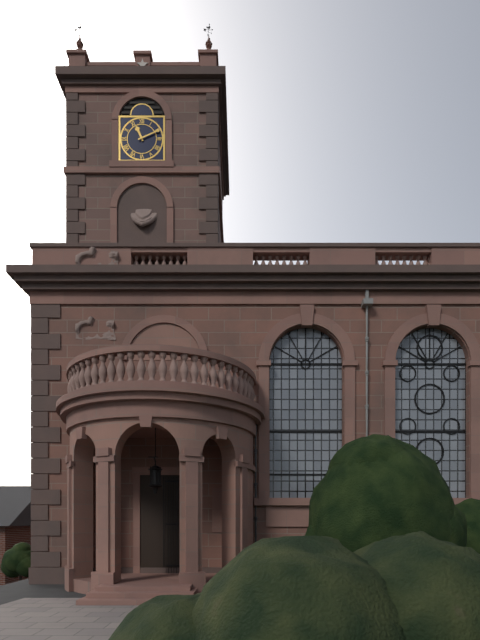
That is 11 h 11 min
